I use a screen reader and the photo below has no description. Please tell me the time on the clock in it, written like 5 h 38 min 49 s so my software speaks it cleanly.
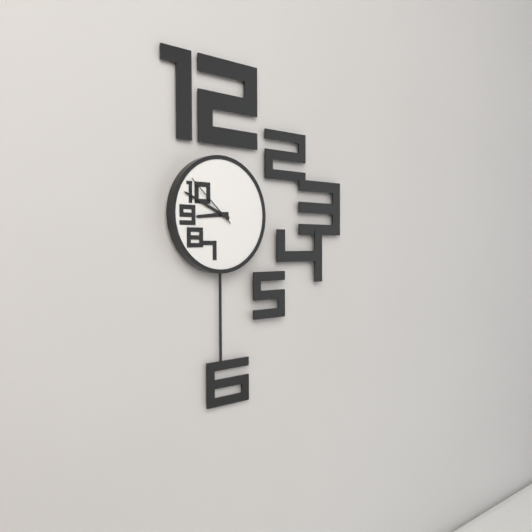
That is 8 h 49 min 52 s
